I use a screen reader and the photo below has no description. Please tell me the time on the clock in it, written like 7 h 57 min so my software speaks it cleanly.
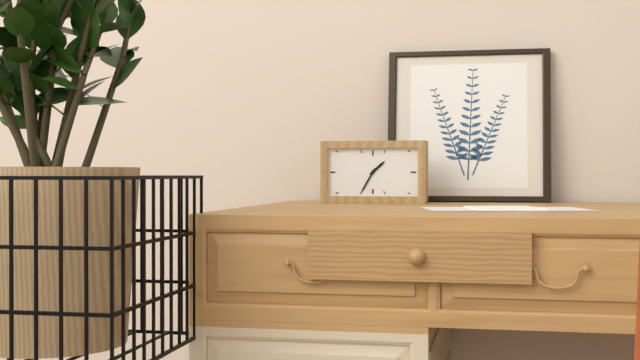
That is 1 h 35 min
